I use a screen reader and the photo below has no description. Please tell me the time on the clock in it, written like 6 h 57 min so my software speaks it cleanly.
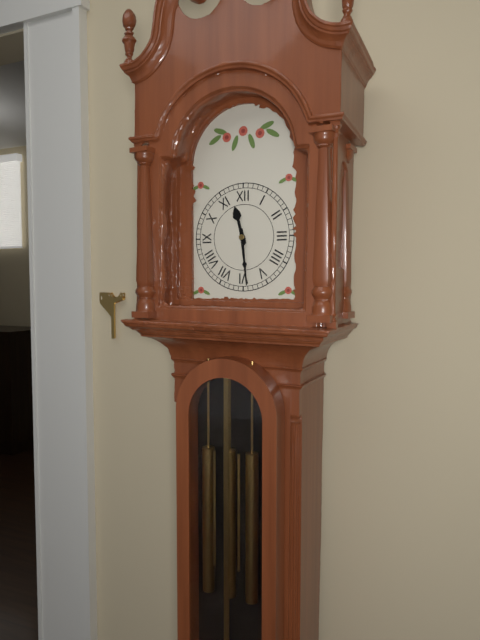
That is 11 h 29 min
